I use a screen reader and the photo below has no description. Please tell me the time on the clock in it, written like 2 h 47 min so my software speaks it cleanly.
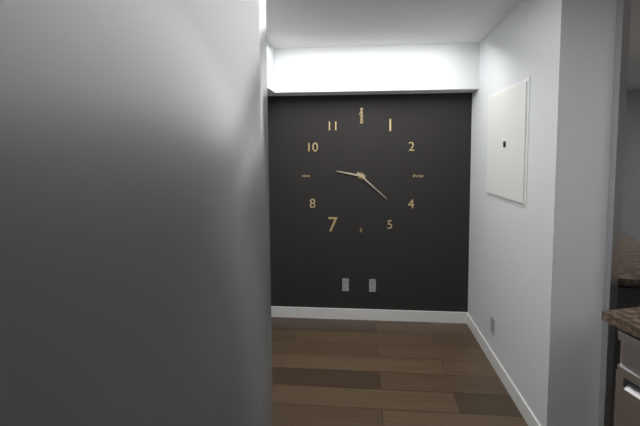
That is 9 h 22 min
